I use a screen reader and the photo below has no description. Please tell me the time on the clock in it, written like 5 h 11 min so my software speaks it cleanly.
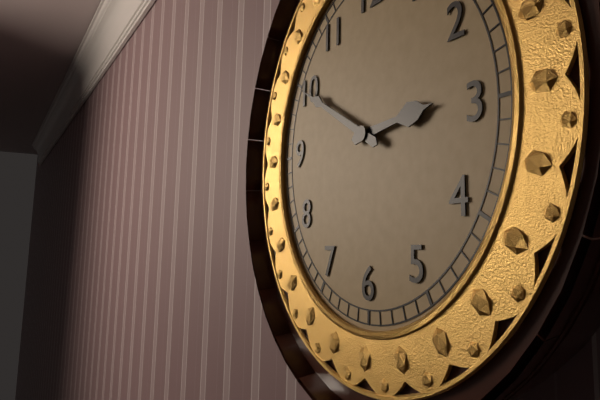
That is 2 h 50 min
